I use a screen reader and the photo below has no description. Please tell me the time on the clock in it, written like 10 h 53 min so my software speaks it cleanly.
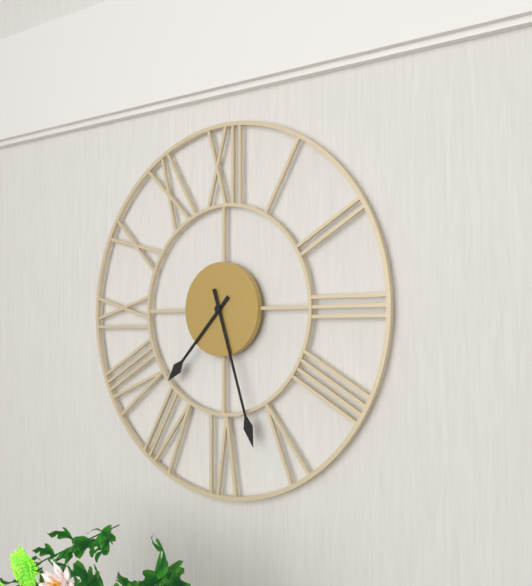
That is 7 h 27 min
